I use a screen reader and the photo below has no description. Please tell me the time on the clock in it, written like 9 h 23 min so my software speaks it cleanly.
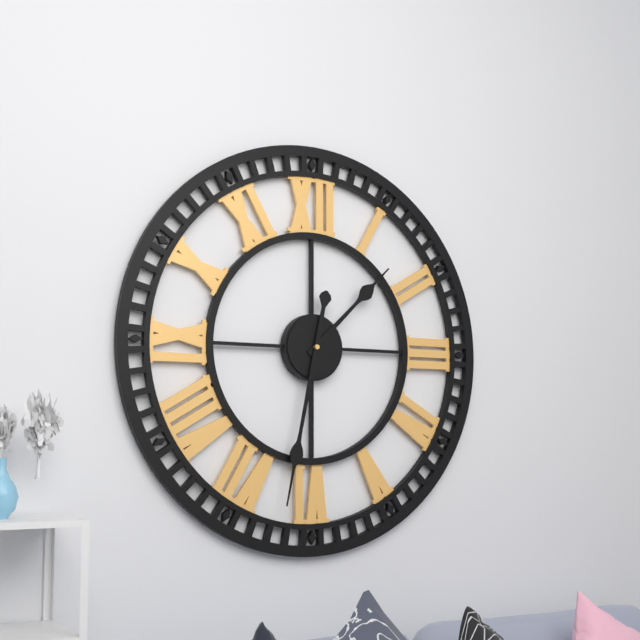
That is 1 h 32 min
